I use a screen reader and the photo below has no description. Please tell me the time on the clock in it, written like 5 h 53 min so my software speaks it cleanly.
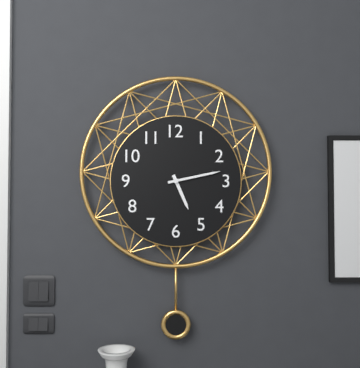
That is 5 h 13 min
